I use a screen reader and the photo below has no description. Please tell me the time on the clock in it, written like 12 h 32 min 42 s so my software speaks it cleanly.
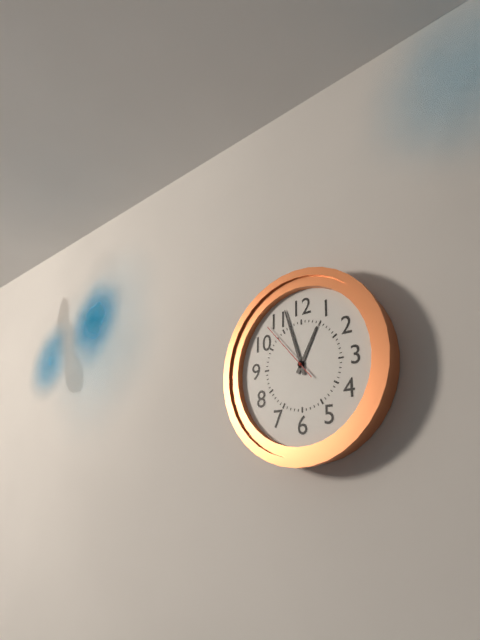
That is 12 h 57 min 53 s
